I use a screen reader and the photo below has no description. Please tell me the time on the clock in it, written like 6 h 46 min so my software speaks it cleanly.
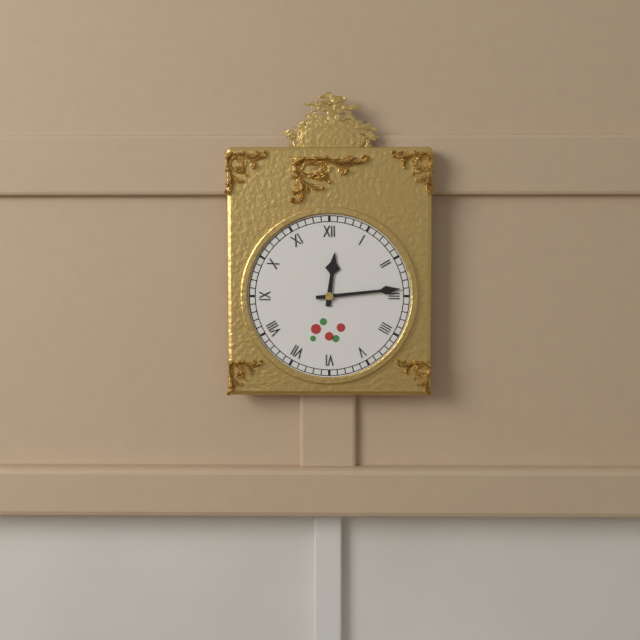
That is 12 h 14 min
